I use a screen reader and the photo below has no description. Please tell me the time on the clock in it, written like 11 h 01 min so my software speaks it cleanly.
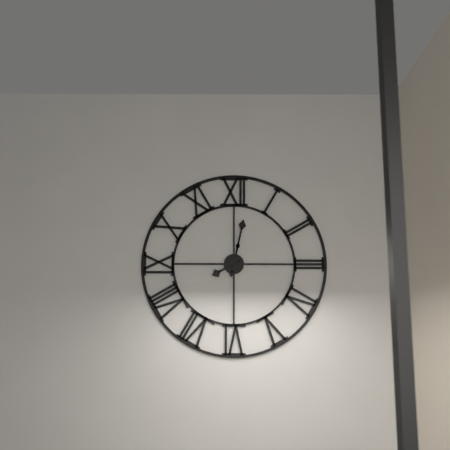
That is 8 h 02 min
